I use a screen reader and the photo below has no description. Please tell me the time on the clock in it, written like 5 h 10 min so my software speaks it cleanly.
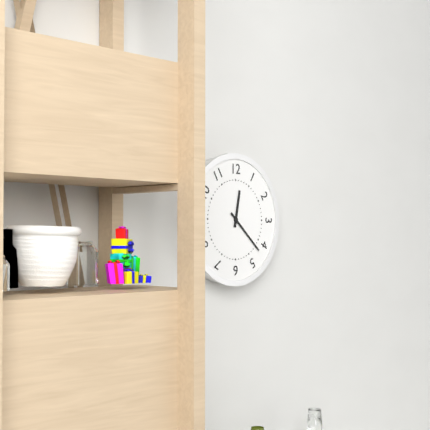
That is 12 h 22 min
